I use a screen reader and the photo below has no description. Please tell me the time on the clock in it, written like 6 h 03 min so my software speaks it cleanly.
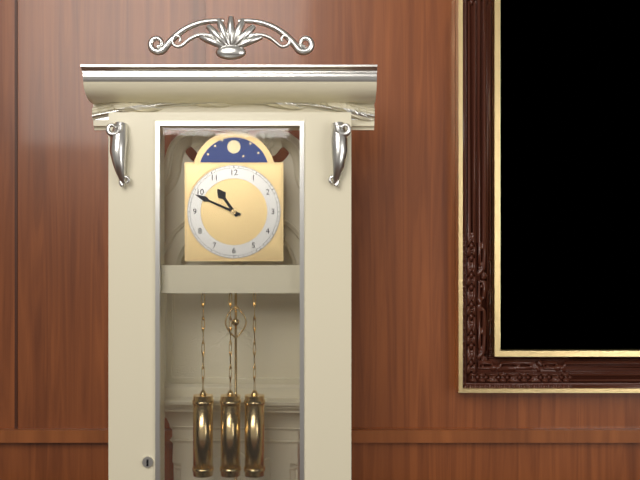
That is 10 h 49 min
